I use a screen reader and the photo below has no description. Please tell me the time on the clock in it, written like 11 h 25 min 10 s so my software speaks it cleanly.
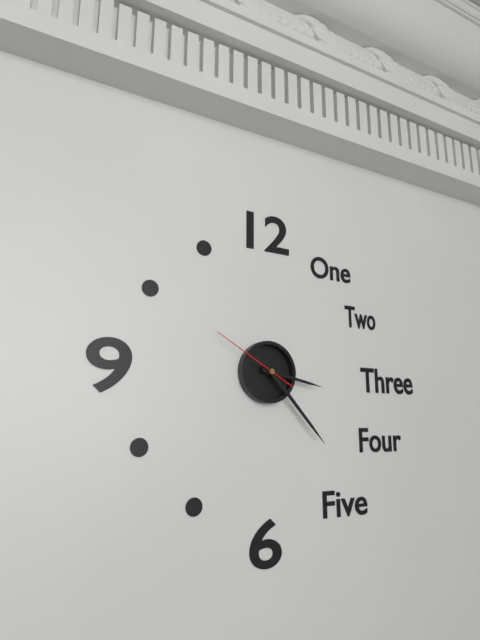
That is 3 h 23 min 50 s
